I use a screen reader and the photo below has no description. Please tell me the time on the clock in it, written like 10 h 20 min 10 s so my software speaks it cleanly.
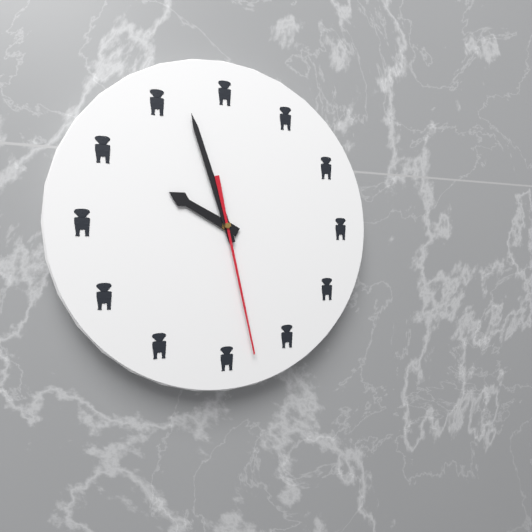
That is 9 h 57 min 28 s
